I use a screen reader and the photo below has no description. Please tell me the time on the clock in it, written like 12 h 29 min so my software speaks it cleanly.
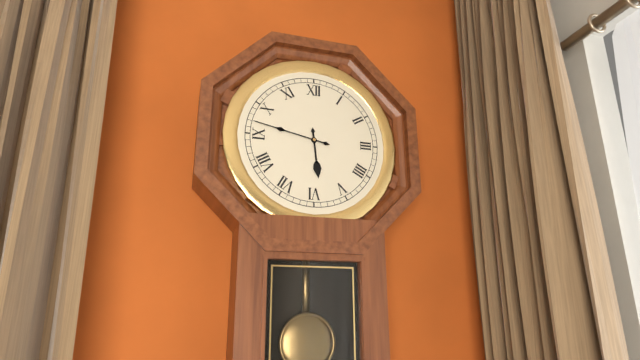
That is 5 h 47 min
